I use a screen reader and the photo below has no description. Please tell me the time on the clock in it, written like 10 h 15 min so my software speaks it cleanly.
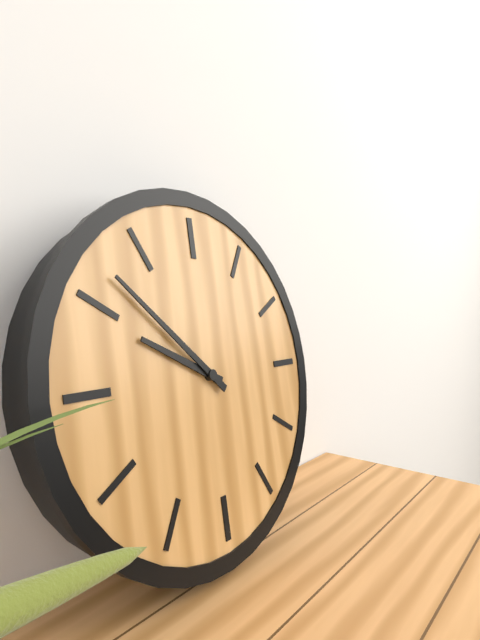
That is 9 h 52 min
